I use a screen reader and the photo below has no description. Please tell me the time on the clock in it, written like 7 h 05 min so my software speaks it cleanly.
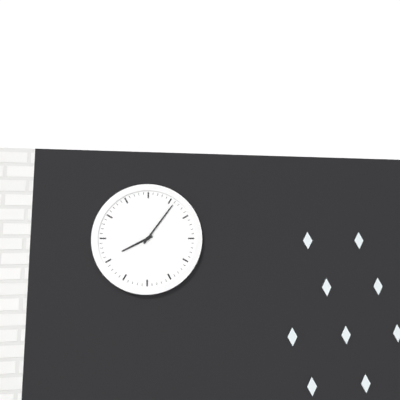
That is 8 h 06 min
